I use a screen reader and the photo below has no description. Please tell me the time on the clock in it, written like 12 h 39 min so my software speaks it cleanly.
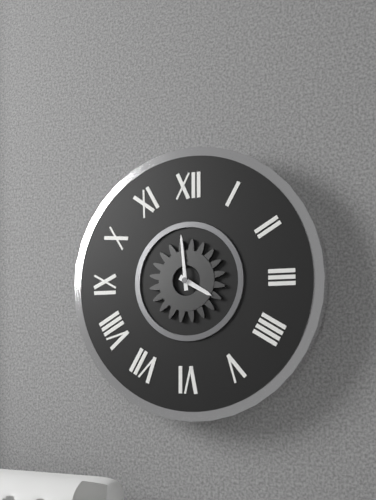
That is 3 h 59 min
